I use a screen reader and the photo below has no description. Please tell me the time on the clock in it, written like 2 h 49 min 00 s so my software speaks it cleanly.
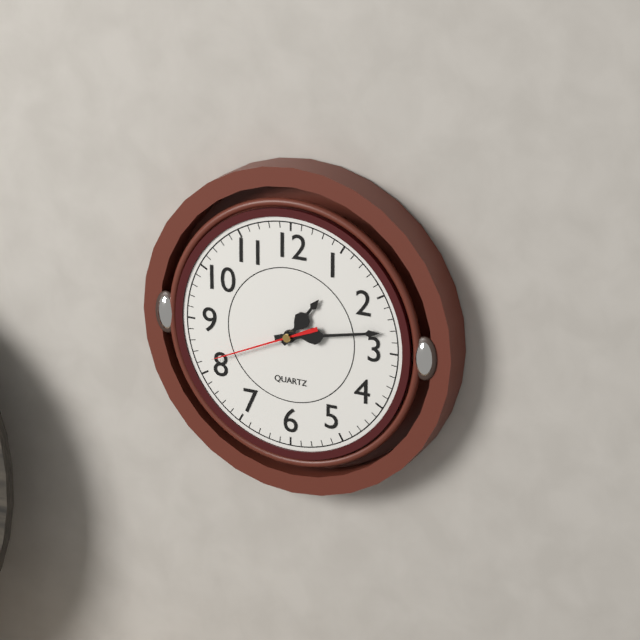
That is 1 h 13 min 41 s
